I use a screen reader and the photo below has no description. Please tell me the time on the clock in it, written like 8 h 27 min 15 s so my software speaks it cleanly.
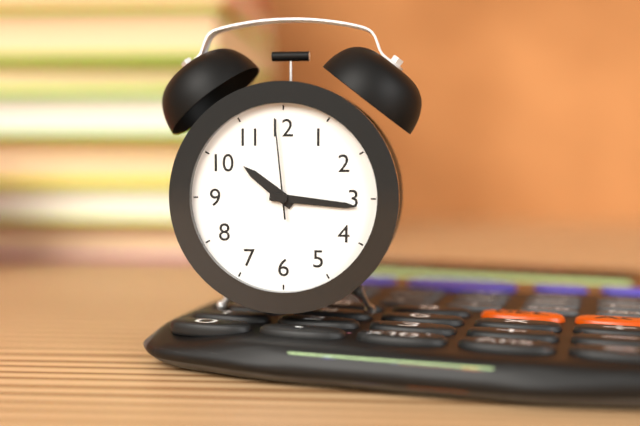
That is 10 h 16 min 59 s
